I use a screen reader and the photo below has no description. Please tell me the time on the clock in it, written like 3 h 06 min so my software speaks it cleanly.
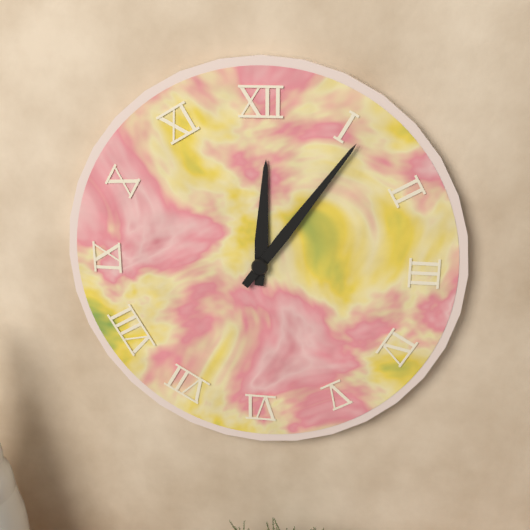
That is 12 h 06 min
